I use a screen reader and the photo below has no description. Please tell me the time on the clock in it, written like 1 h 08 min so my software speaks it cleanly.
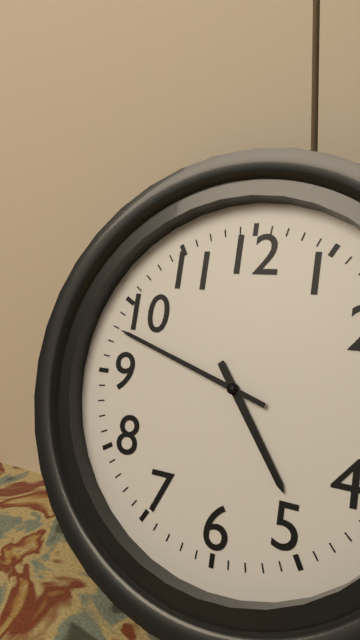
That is 4 h 48 min
